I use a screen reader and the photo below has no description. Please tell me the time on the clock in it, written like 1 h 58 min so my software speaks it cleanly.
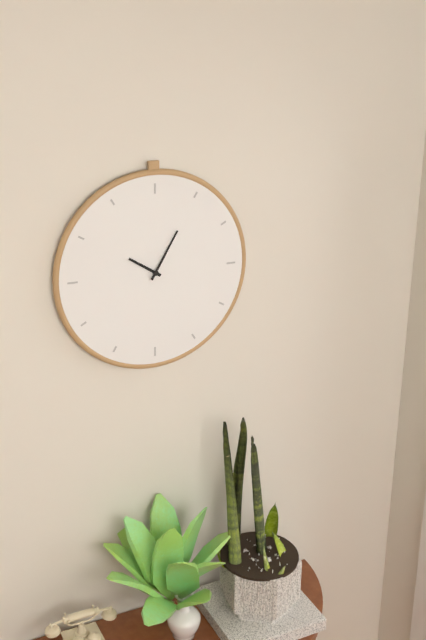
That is 10 h 05 min
